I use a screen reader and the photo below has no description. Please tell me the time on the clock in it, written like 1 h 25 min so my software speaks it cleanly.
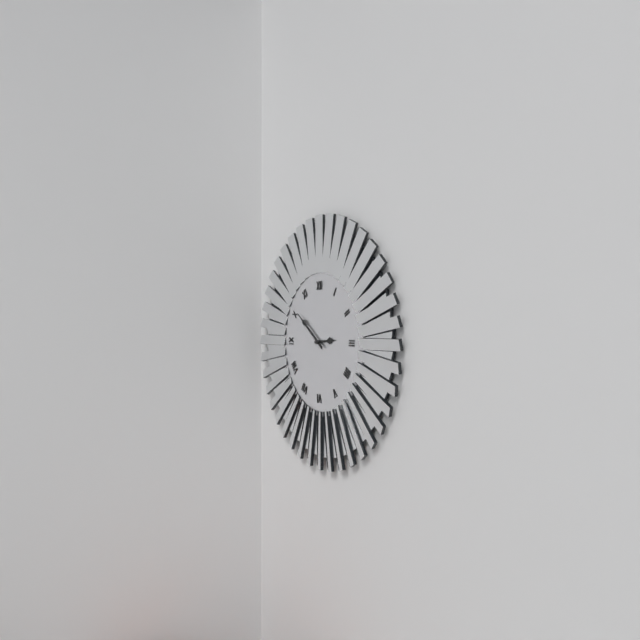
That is 2 h 51 min
